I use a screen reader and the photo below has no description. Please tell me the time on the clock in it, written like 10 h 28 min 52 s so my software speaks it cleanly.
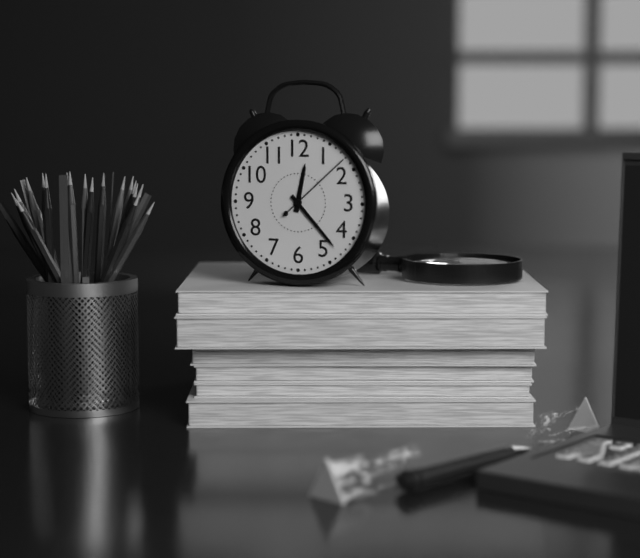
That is 12 h 23 min 08 s
